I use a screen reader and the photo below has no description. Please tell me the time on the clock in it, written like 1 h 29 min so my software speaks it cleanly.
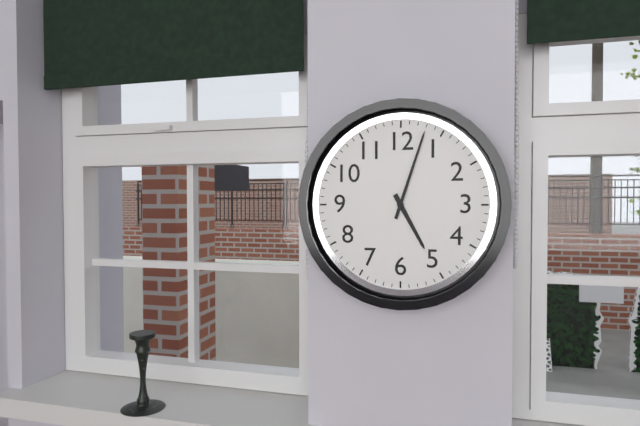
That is 5 h 03 min
